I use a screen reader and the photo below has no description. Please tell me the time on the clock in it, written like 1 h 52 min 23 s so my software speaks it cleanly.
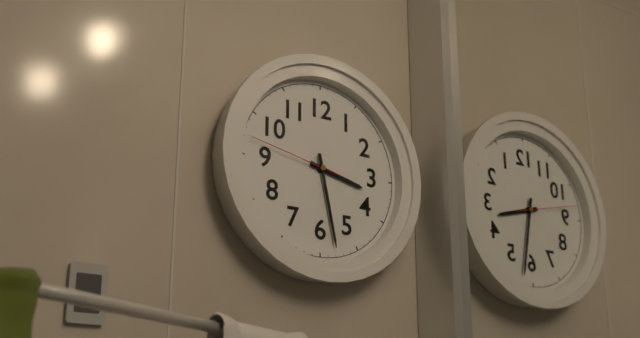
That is 3 h 28 min 47 s
